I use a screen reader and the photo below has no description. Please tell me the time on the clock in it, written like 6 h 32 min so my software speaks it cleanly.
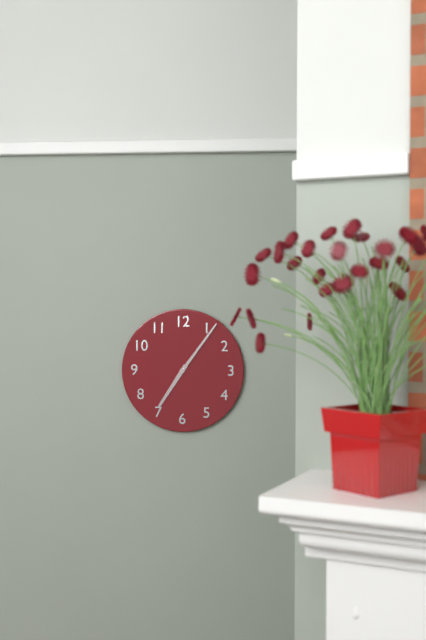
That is 7 h 06 min
